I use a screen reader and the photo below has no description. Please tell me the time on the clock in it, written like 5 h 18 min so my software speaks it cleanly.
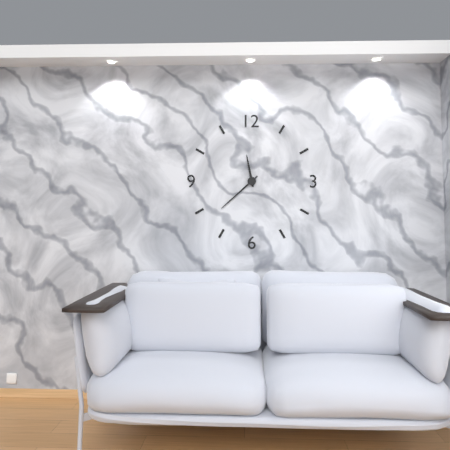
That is 11 h 38 min
